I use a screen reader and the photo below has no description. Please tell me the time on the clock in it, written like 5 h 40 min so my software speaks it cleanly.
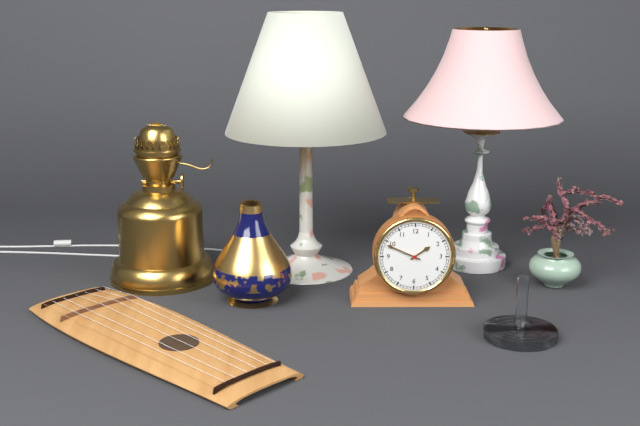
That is 1 h 49 min
